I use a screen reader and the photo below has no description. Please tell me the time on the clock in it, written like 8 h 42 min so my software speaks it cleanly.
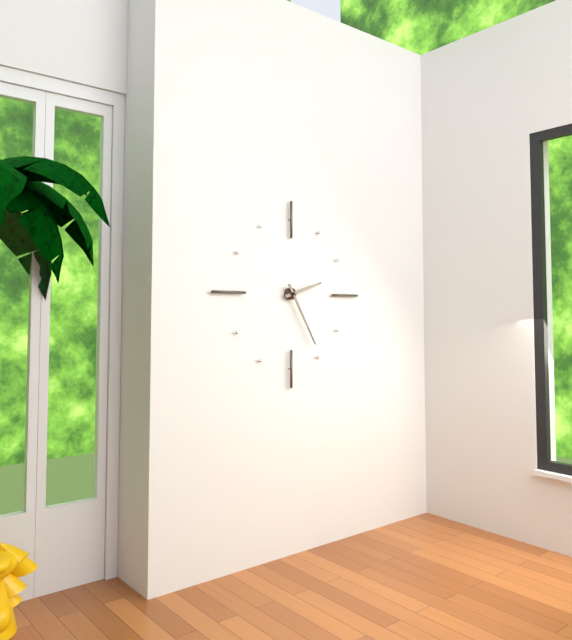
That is 2 h 25 min
